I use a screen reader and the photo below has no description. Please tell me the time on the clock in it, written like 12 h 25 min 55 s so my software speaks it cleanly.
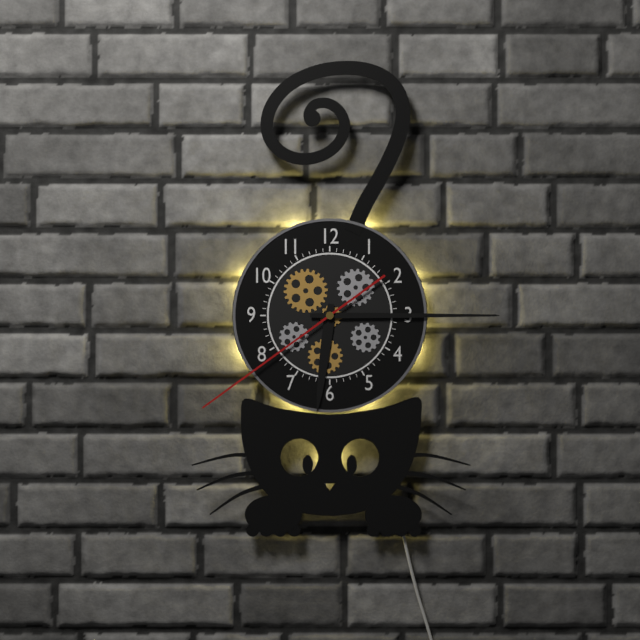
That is 6 h 15 min 39 s
